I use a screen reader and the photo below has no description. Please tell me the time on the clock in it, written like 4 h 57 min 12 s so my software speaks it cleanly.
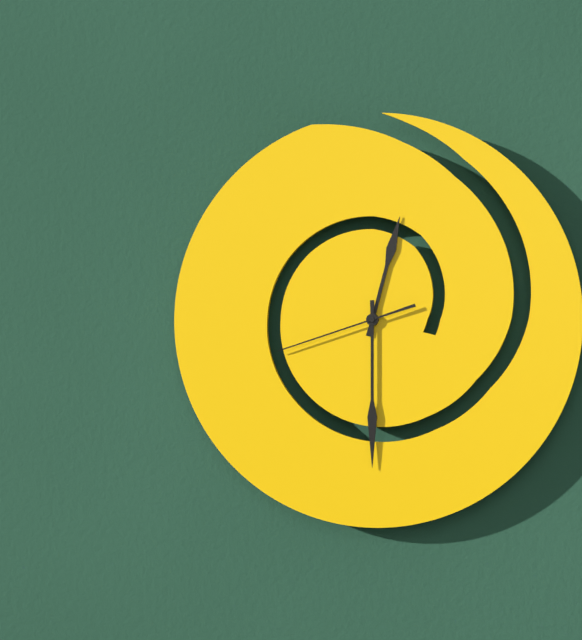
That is 12 h 30 min 42 s
